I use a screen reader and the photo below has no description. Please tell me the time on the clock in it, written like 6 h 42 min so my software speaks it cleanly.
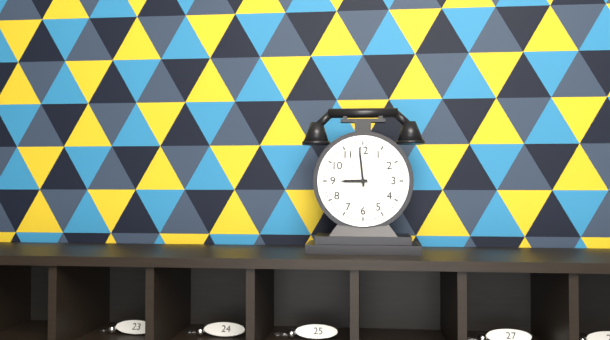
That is 8 h 59 min
